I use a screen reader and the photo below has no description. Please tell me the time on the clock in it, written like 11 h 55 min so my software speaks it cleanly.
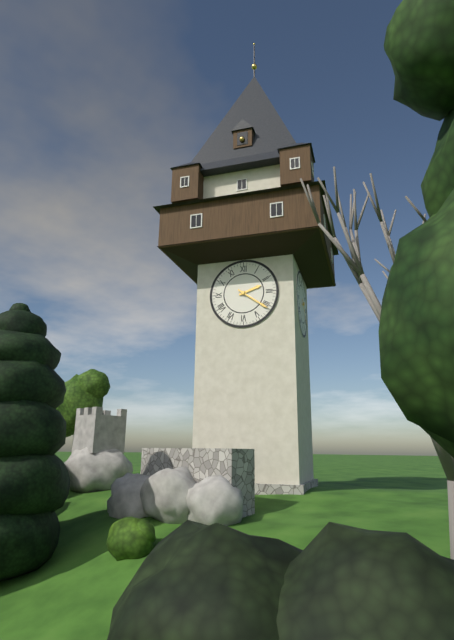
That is 2 h 21 min
